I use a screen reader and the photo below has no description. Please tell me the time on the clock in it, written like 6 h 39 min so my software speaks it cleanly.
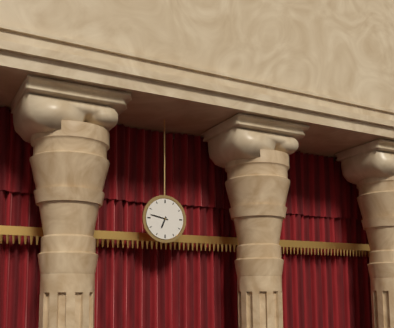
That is 6 h 47 min
